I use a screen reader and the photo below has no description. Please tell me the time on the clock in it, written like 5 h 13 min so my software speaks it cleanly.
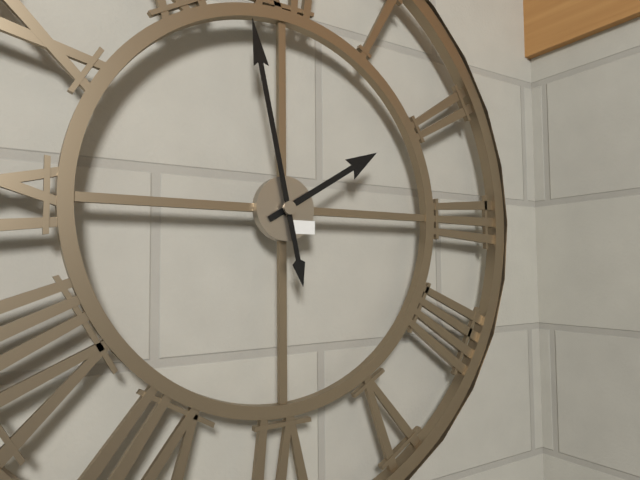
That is 1 h 58 min
